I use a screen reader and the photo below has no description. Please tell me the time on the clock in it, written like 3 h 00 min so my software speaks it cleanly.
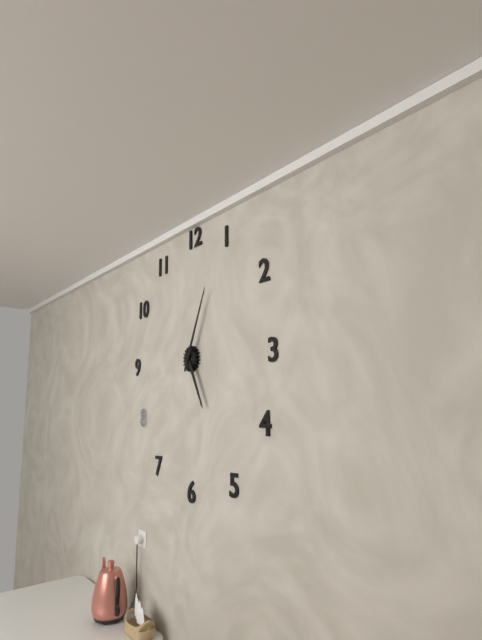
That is 5 h 04 min
